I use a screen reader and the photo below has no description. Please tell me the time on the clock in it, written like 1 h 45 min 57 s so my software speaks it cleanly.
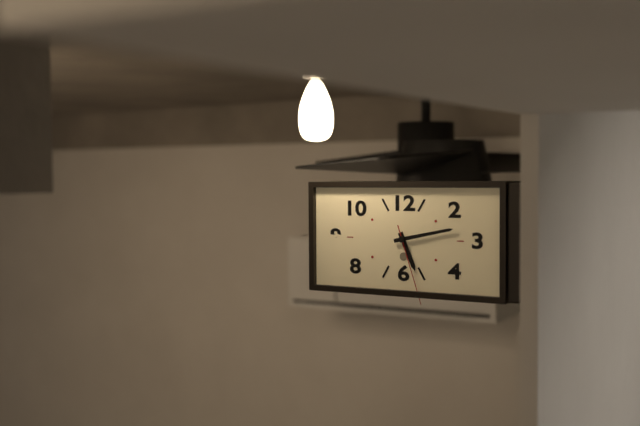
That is 5 h 13 min 27 s
